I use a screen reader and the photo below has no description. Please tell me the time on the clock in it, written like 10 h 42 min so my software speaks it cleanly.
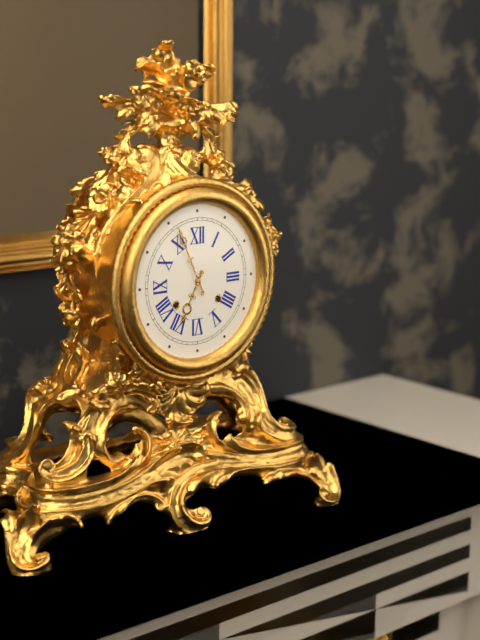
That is 6 h 56 min
